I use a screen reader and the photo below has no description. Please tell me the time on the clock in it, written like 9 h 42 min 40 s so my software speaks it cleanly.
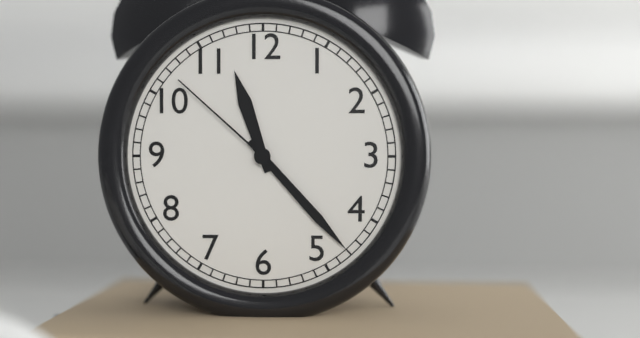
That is 11 h 23 min 52 s
